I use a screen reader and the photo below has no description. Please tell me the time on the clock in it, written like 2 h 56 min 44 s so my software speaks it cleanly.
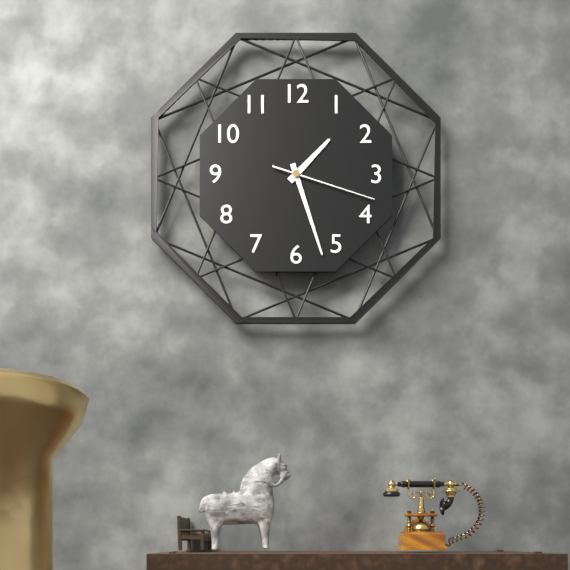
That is 1 h 27 min 18 s
